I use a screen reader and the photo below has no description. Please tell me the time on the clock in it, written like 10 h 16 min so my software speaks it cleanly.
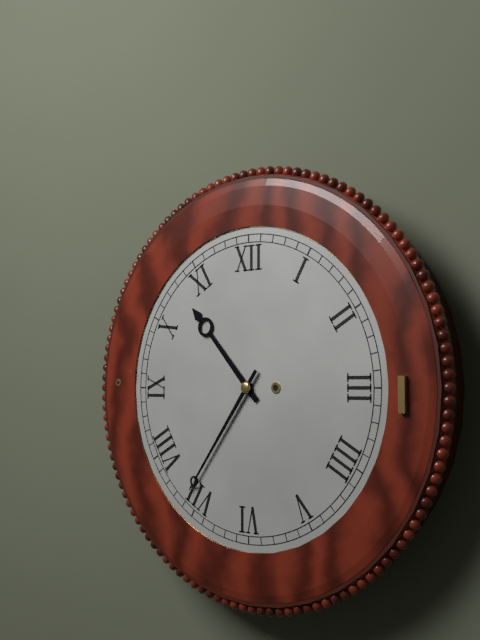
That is 10 h 36 min
